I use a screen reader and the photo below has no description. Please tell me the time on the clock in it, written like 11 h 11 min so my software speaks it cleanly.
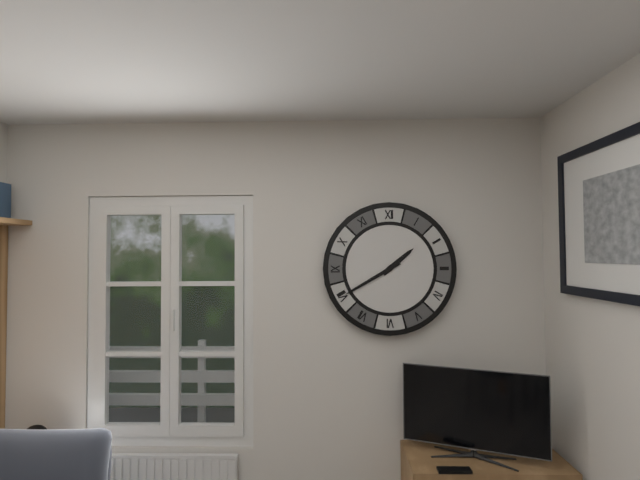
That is 1 h 40 min
